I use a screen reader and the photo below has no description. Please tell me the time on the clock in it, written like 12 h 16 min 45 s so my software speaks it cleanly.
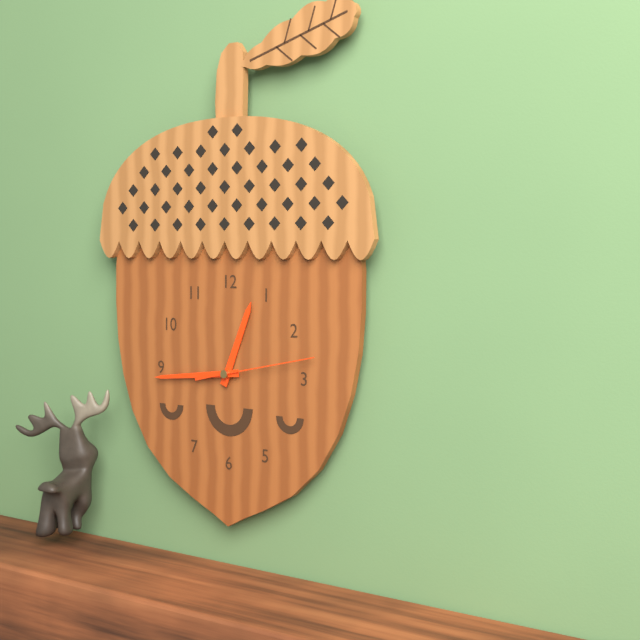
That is 12 h 44 min 13 s
